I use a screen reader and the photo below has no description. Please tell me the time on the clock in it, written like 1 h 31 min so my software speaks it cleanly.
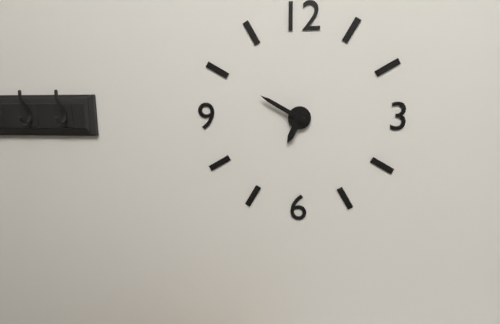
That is 6 h 50 min
